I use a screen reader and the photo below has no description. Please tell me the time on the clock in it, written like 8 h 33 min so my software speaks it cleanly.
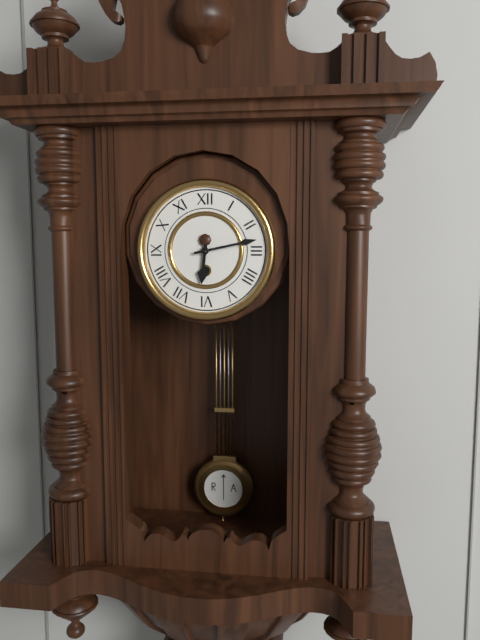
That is 6 h 13 min
